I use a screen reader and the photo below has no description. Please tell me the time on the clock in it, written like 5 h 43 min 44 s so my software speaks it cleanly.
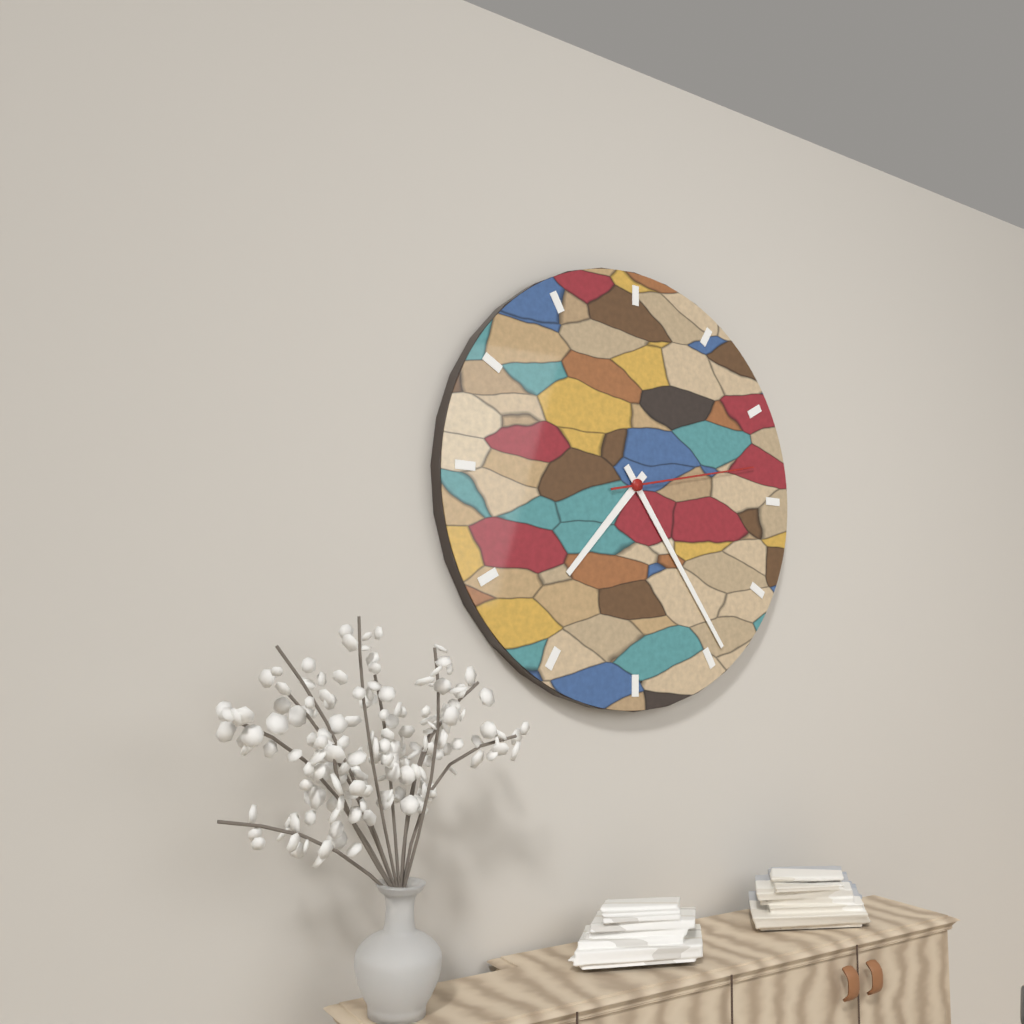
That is 7 h 24 min 13 s
